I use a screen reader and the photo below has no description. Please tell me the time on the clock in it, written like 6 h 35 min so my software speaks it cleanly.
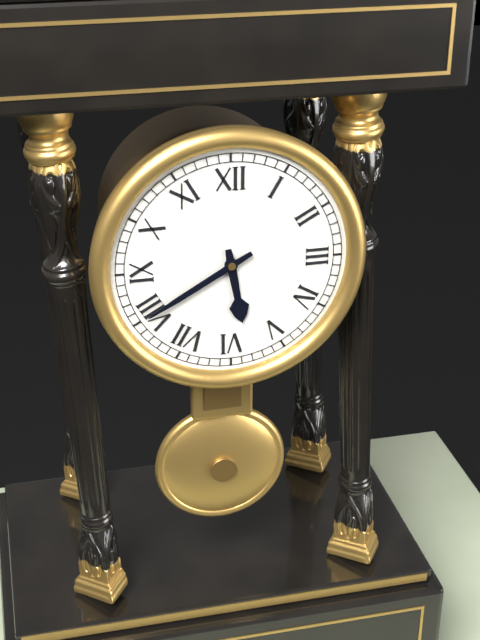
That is 5 h 40 min
